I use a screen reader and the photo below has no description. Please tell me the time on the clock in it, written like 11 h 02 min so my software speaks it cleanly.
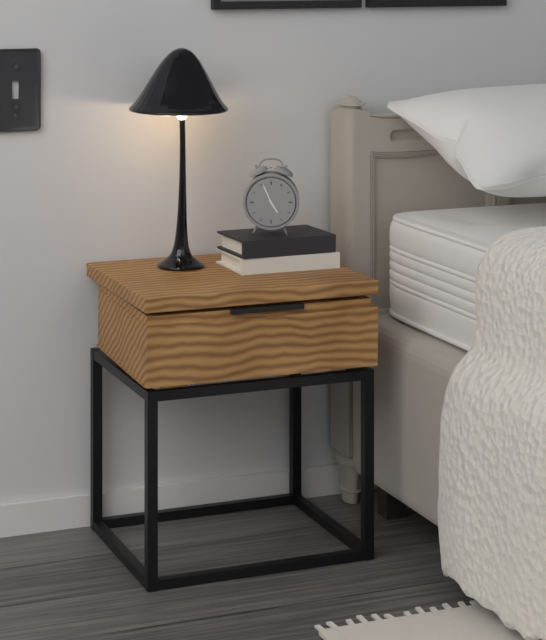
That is 4 h 56 min
